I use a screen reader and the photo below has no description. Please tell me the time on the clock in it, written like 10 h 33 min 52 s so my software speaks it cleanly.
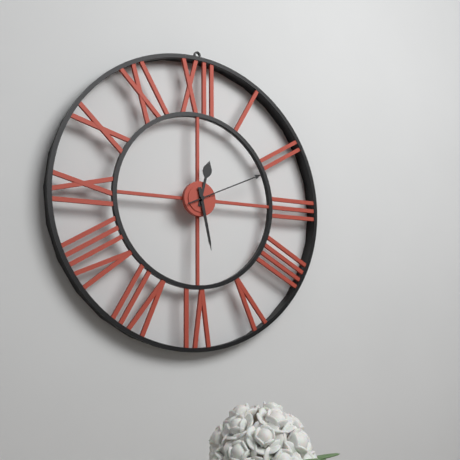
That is 12 h 28 min 11 s
